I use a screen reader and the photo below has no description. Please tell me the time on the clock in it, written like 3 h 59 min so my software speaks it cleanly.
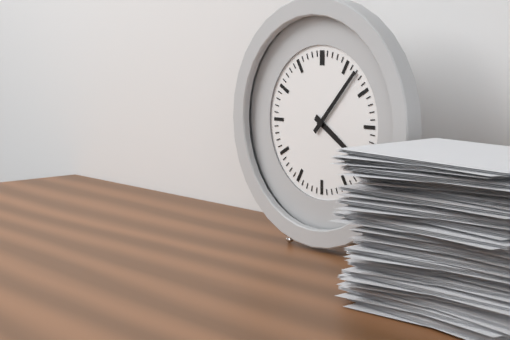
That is 4 h 07 min
